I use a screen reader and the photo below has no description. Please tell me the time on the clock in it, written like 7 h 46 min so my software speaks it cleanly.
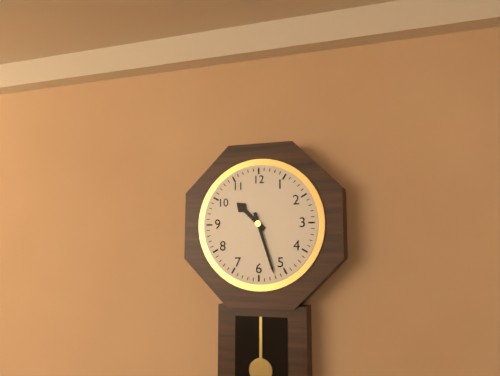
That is 10 h 27 min
